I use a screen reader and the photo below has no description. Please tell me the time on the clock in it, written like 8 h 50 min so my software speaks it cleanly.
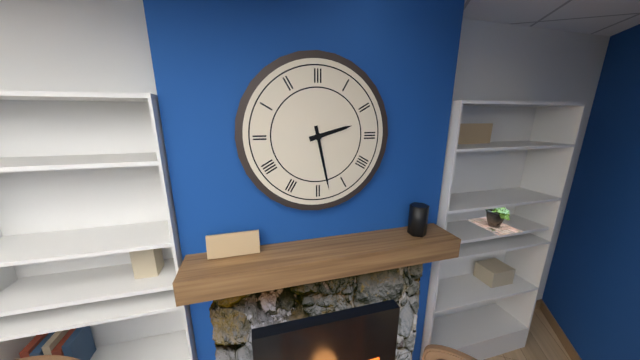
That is 2 h 28 min
